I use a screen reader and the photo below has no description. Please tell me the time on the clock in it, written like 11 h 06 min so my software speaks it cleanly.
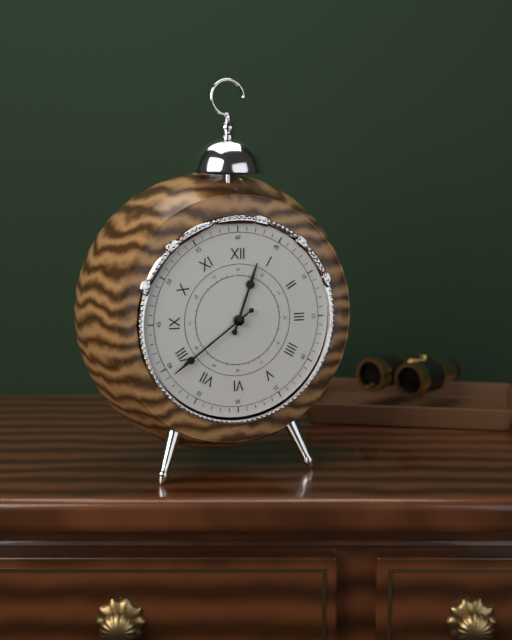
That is 12 h 39 min
